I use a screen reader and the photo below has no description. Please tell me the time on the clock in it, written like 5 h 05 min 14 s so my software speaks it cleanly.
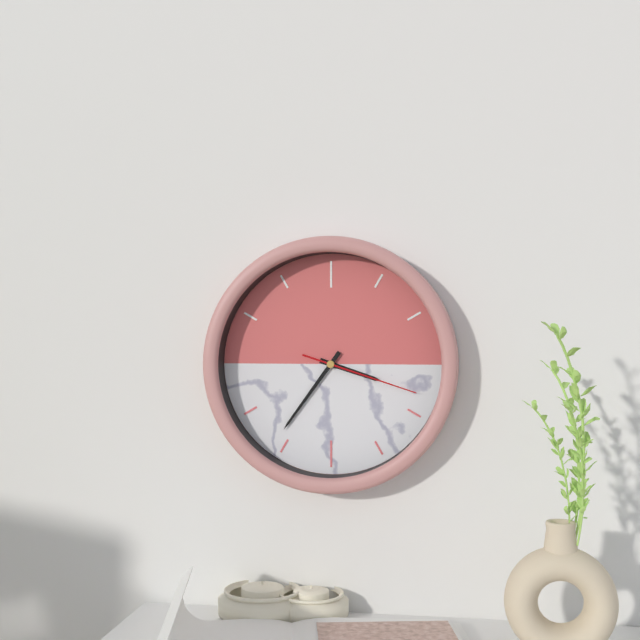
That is 3 h 36 min 18 s
